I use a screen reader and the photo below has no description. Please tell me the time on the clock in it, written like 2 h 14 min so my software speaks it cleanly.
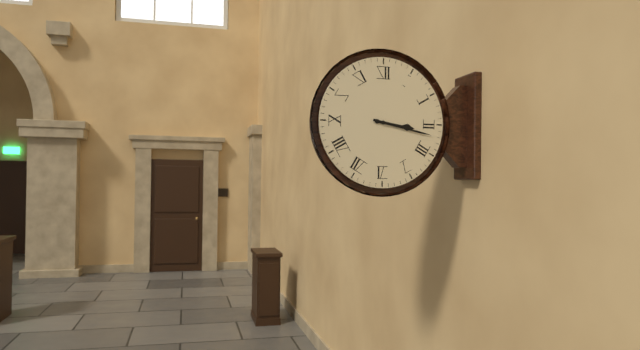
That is 3 h 17 min
